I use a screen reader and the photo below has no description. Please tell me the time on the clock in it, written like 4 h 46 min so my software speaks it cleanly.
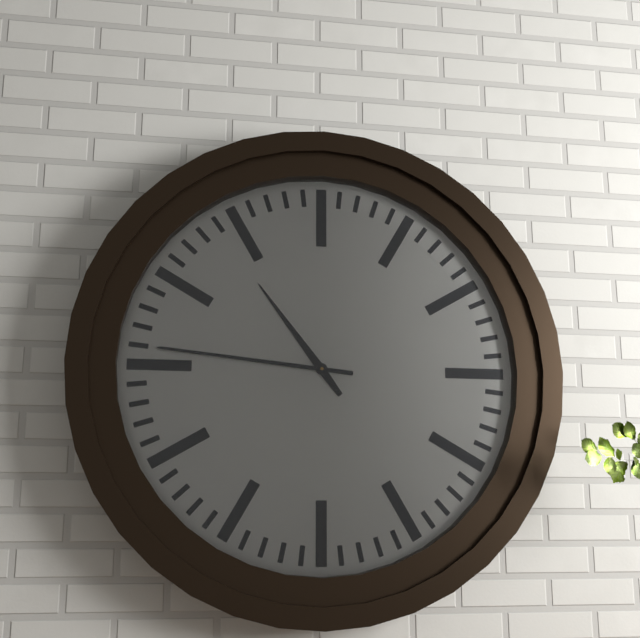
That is 10 h 46 min
